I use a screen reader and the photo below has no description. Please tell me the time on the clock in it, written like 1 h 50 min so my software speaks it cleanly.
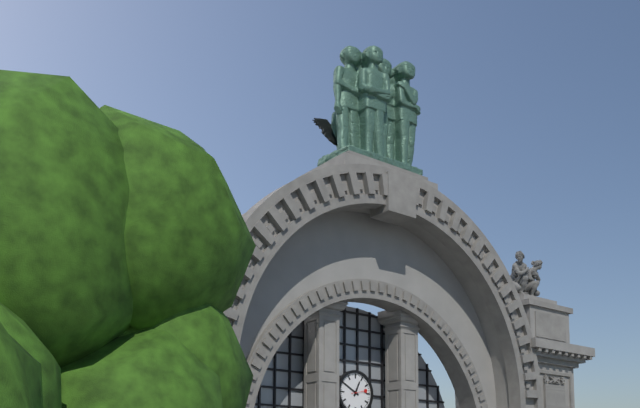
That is 12 h 50 min
